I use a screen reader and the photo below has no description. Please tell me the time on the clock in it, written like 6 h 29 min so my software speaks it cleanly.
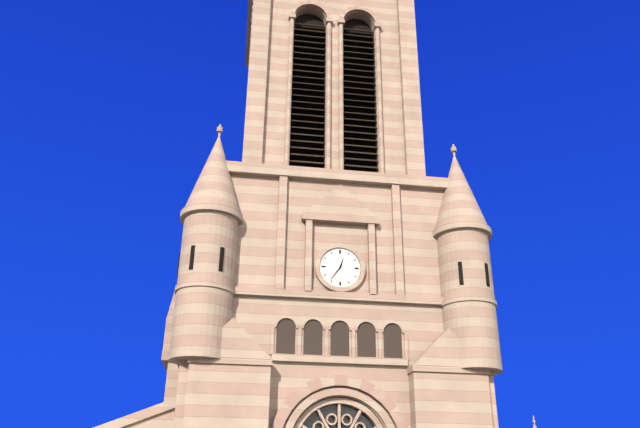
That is 12 h 36 min
